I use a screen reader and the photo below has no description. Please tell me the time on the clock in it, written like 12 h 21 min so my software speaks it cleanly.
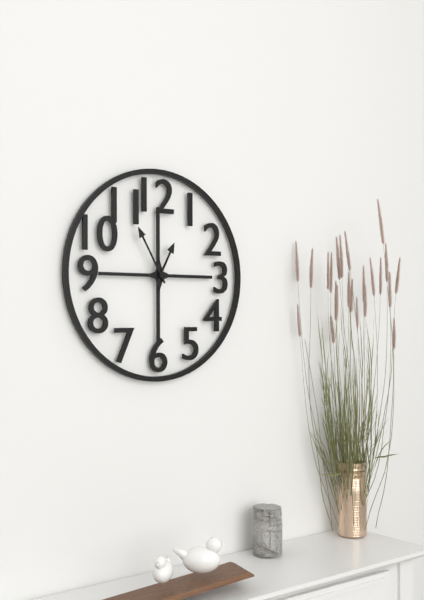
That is 12 h 55 min
